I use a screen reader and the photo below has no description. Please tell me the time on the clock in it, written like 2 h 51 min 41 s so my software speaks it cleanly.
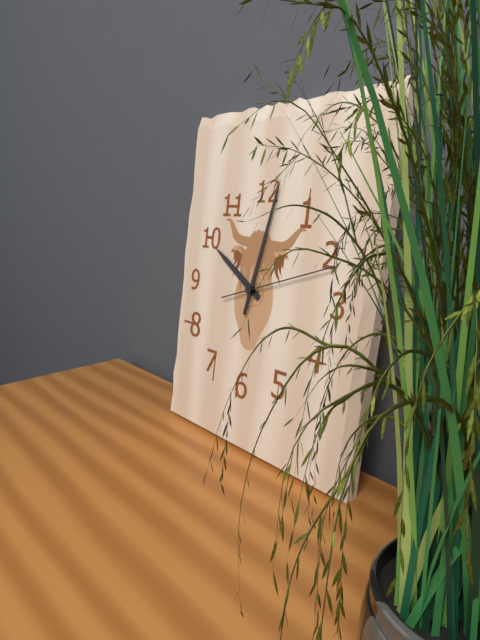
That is 10 h 02 min 12 s
